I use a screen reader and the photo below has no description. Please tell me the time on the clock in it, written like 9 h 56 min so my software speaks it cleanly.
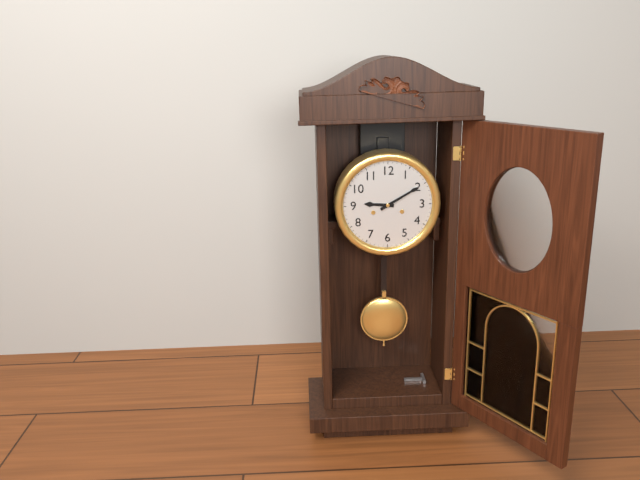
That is 9 h 10 min
